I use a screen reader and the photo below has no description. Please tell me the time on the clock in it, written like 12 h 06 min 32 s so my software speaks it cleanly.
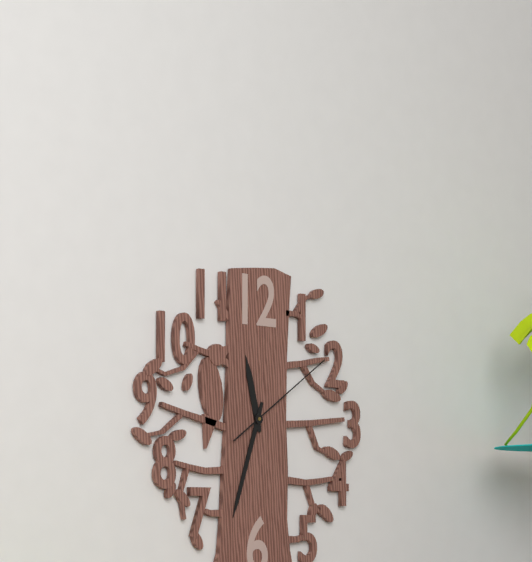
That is 11 h 33 min 09 s
